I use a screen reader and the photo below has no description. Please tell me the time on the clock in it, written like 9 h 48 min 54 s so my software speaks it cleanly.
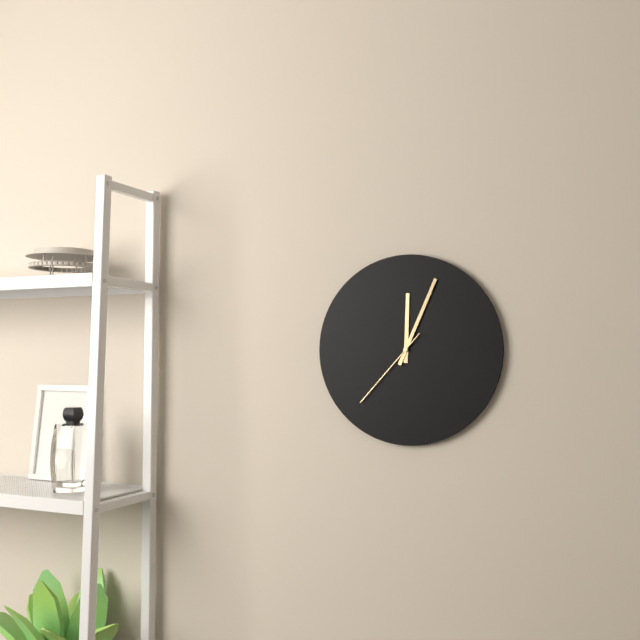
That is 12 h 04 min 37 s
